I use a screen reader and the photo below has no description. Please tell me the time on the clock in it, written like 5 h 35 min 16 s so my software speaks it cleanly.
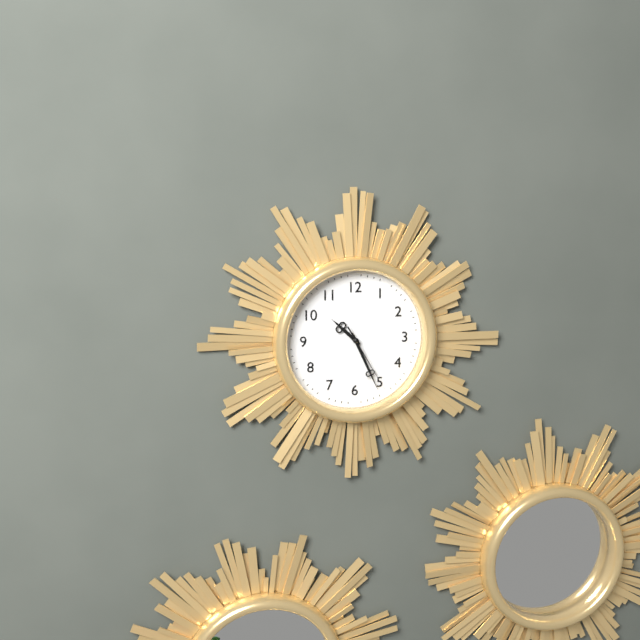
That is 10 h 26 min 25 s
